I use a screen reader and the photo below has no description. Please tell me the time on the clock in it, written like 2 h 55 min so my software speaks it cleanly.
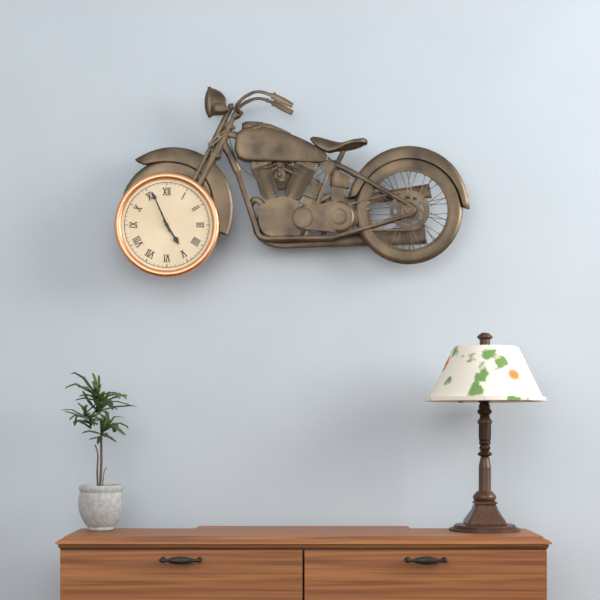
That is 4 h 56 min
